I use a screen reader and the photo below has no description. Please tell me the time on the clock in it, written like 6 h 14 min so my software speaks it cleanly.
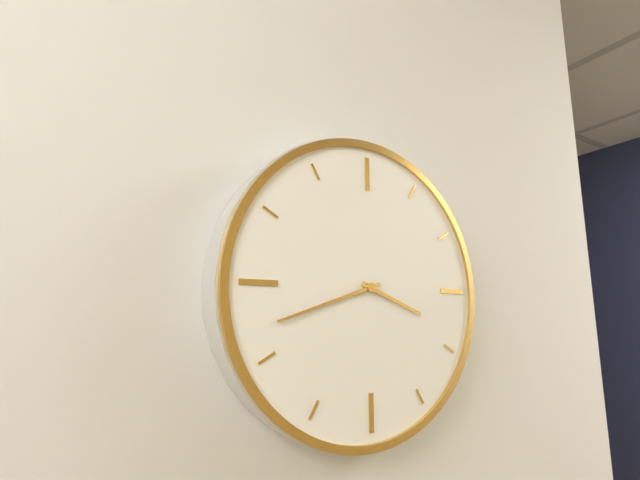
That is 3 h 42 min
